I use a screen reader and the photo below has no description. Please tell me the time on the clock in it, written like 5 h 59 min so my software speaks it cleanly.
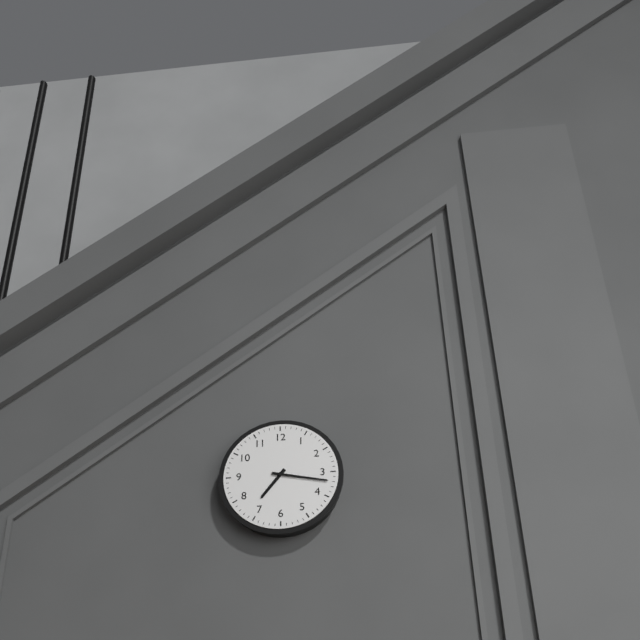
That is 7 h 17 min
